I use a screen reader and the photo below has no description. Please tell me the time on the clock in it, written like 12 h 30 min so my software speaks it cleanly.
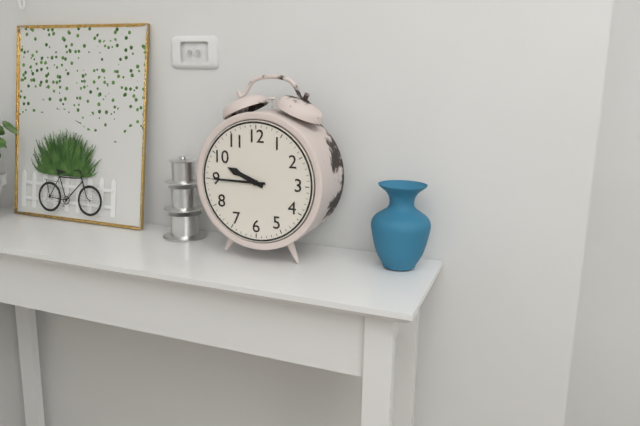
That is 9 h 45 min
